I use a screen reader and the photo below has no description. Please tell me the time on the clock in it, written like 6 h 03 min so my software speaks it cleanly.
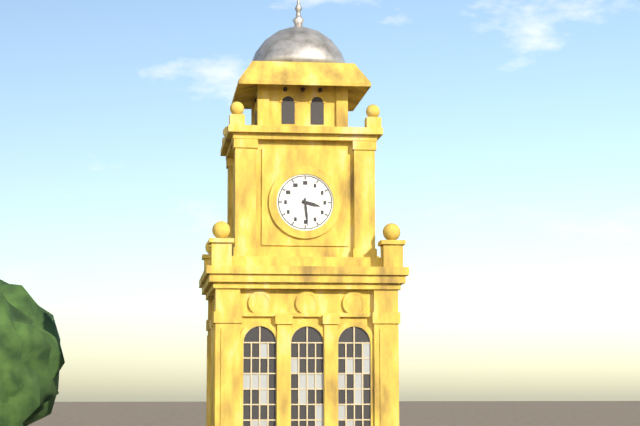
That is 3 h 29 min
